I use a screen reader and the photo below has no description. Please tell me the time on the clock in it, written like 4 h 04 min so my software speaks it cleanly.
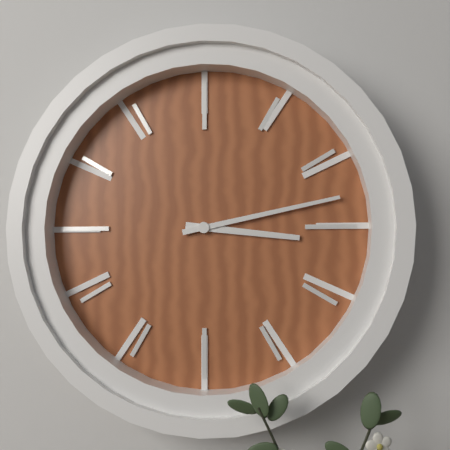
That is 3 h 13 min
